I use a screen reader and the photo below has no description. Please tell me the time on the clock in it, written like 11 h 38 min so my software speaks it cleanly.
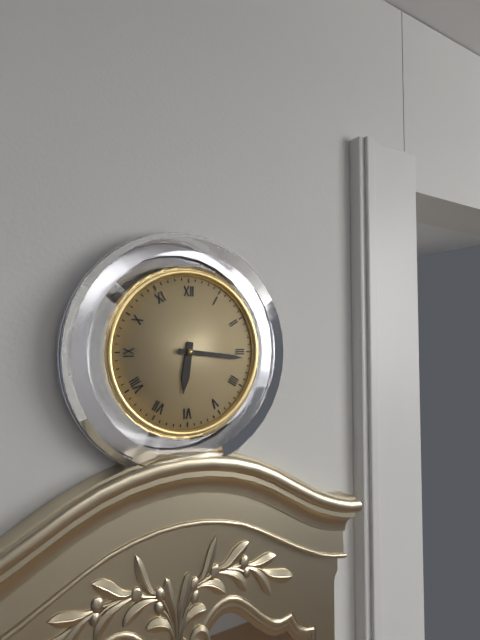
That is 6 h 16 min
